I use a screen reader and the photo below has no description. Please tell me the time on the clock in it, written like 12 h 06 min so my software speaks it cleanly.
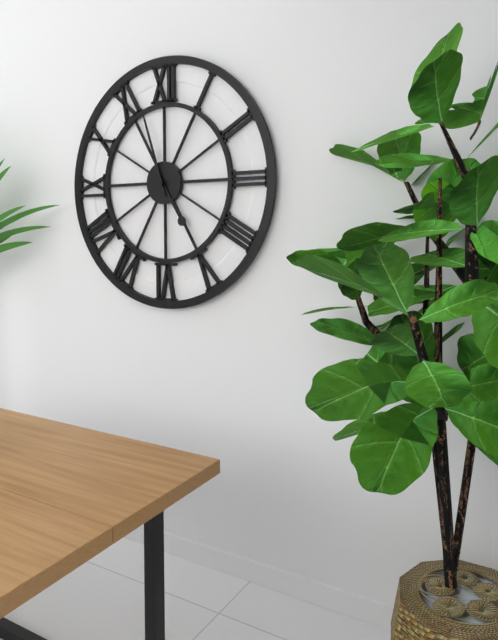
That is 4 h 57 min
